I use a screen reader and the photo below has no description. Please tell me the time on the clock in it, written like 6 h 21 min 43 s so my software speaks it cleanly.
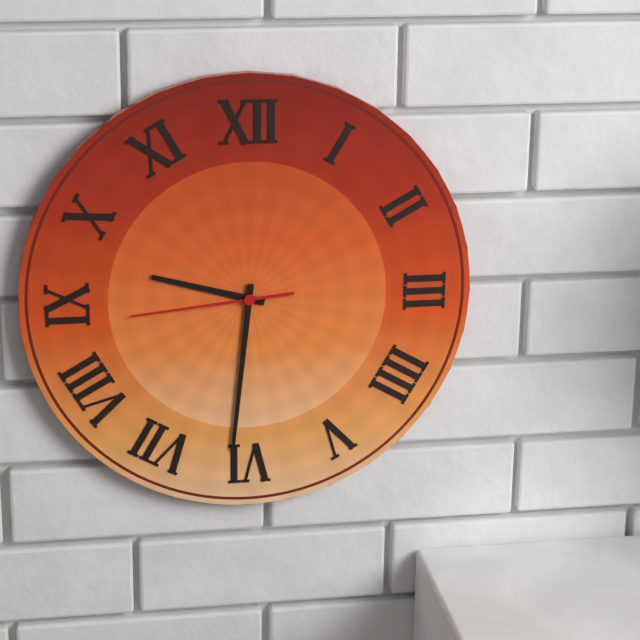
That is 9 h 31 min 44 s
